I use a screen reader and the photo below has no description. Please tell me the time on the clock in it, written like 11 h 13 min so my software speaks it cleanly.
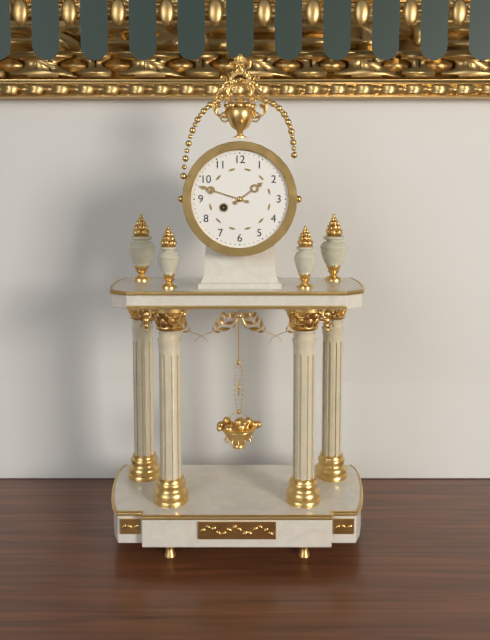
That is 1 h 48 min
